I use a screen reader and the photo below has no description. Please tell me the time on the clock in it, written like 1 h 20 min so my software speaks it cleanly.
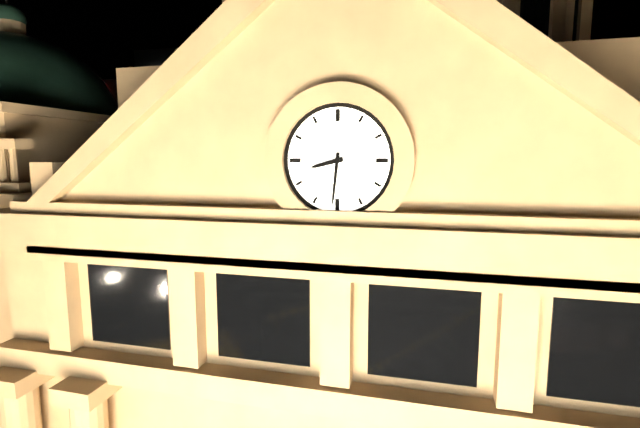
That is 8 h 31 min
